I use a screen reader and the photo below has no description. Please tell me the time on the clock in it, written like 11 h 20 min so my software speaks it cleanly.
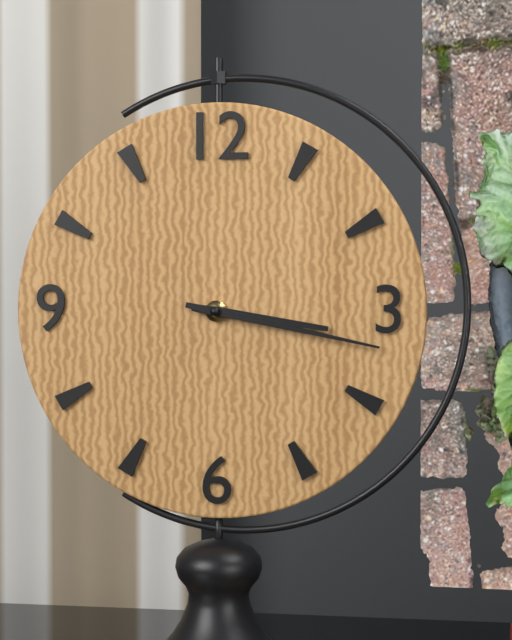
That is 3 h 17 min
